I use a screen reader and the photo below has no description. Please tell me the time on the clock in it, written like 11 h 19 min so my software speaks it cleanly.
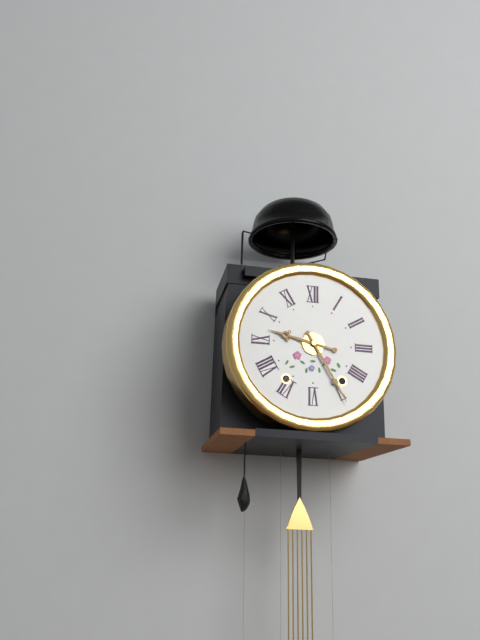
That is 9 h 25 min
